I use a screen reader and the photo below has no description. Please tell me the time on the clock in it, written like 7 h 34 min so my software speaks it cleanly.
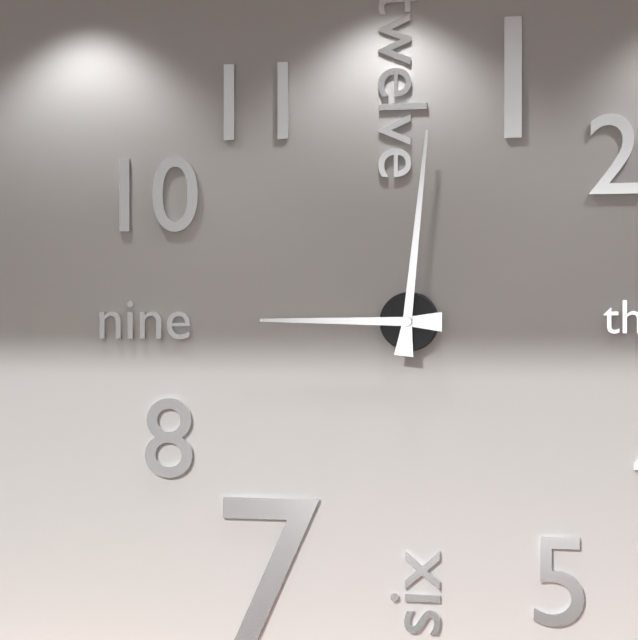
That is 9 h 01 min
